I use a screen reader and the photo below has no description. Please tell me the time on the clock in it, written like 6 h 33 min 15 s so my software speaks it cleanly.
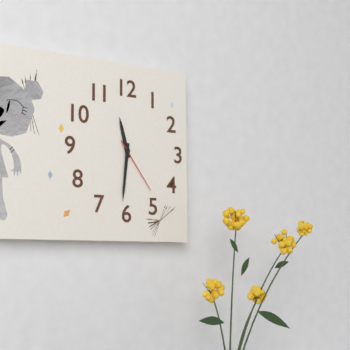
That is 11 h 31 min 24 s
